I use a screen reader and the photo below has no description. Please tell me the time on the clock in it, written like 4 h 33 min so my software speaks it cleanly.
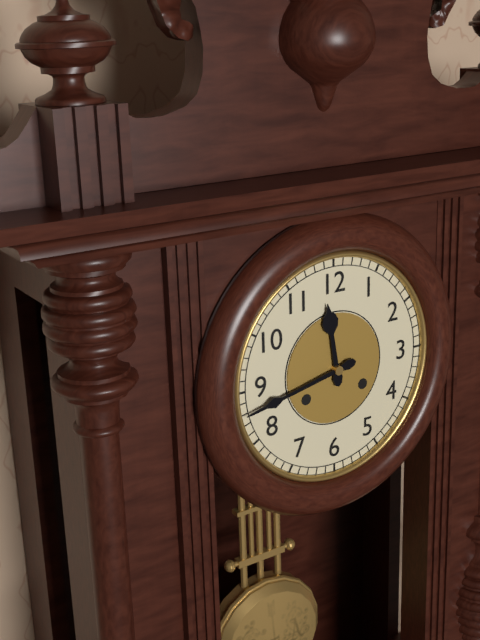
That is 11 h 43 min
